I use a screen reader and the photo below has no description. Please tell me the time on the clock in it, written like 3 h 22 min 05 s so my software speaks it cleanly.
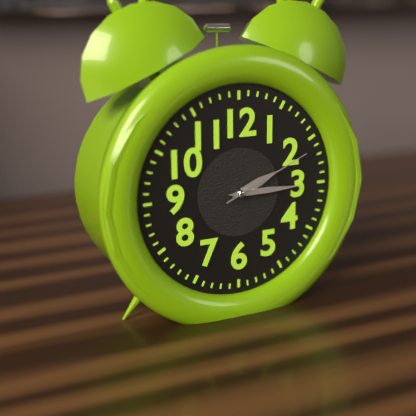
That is 2 h 15 min 11 s
